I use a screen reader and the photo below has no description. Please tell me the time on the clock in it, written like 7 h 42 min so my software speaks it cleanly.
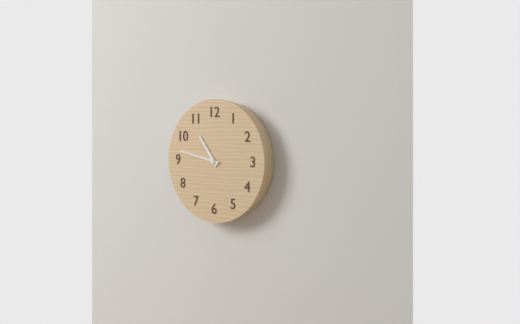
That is 10 h 47 min
